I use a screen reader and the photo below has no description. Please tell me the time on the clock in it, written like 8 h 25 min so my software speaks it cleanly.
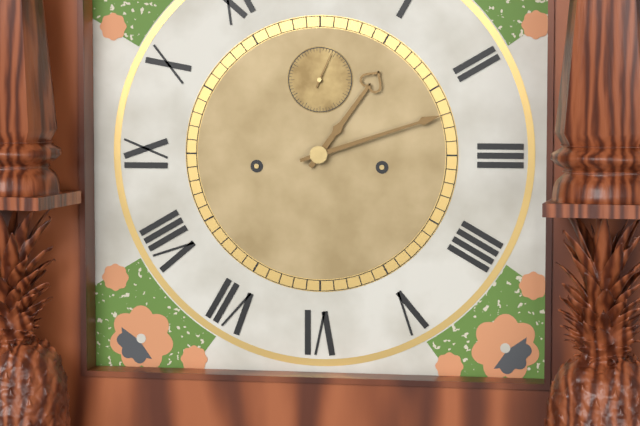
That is 1 h 12 min
